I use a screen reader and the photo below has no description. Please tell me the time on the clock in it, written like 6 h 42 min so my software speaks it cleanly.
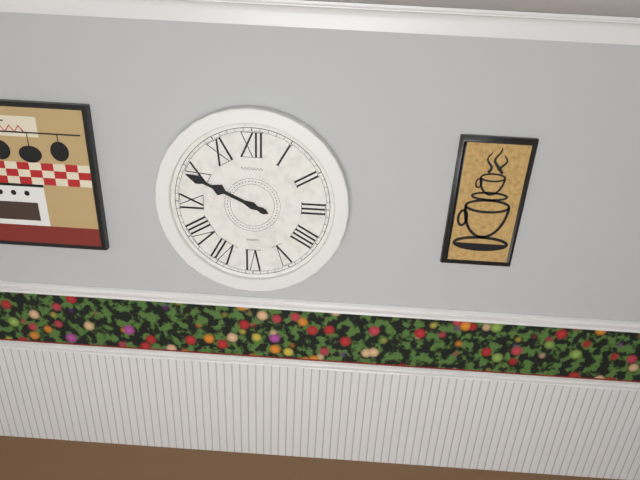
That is 9 h 49 min
